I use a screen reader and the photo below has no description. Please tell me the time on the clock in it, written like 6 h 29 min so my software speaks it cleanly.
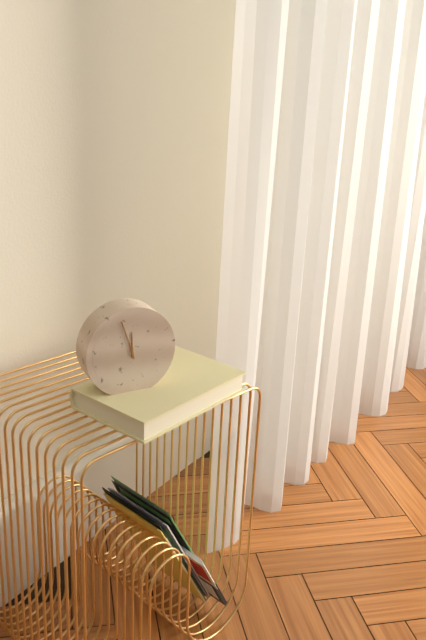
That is 11 h 57 min
